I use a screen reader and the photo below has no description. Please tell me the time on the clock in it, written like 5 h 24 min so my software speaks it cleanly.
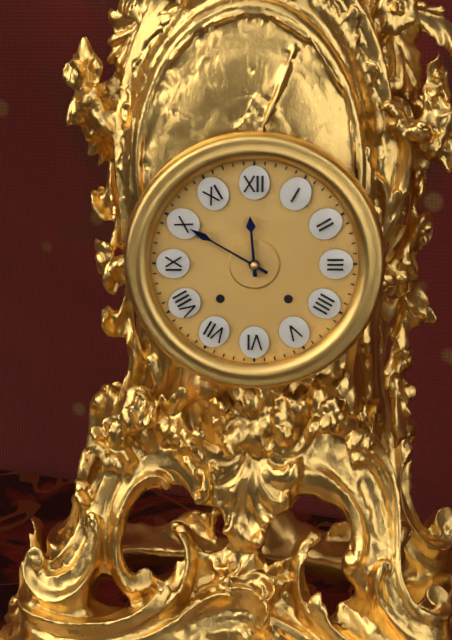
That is 11 h 50 min
